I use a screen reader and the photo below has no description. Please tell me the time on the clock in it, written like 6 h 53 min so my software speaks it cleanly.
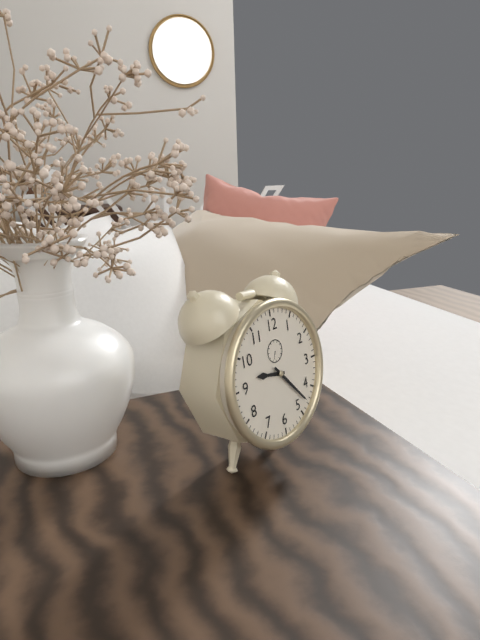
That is 9 h 23 min
